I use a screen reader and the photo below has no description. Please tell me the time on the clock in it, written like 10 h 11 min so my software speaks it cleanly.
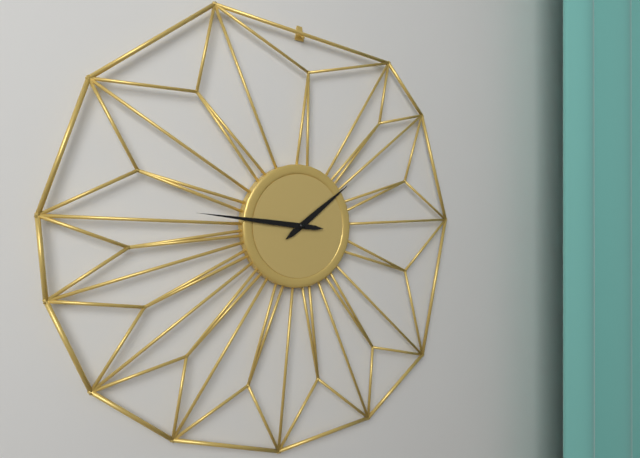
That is 1 h 46 min
